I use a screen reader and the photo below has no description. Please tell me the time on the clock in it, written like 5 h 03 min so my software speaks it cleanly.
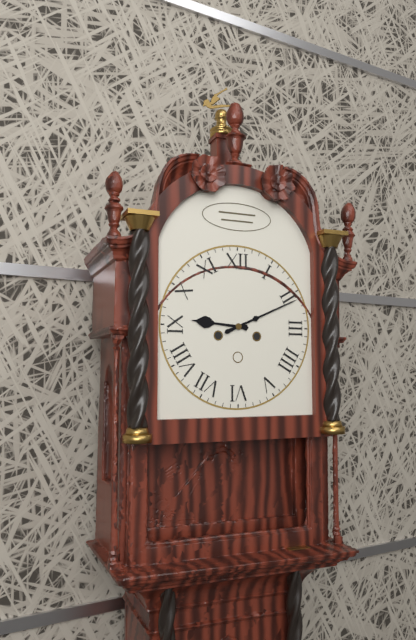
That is 9 h 11 min
